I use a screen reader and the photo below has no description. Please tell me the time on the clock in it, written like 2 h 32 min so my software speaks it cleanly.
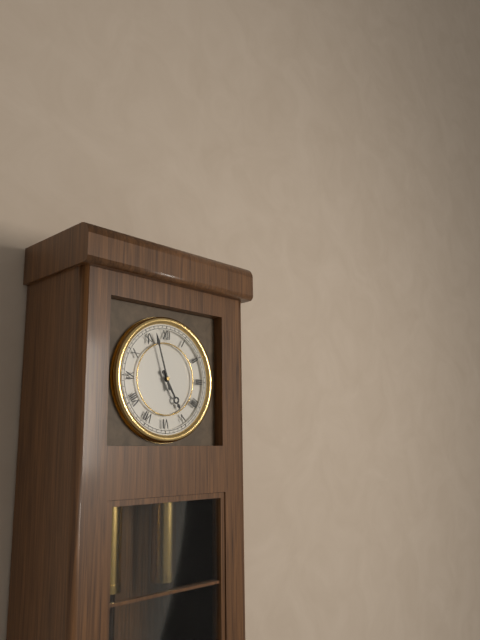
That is 4 h 57 min
